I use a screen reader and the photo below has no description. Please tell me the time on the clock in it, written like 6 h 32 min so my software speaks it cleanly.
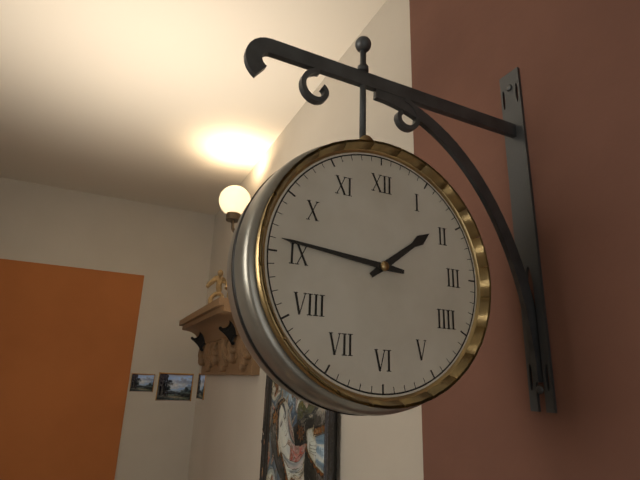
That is 1 h 46 min
